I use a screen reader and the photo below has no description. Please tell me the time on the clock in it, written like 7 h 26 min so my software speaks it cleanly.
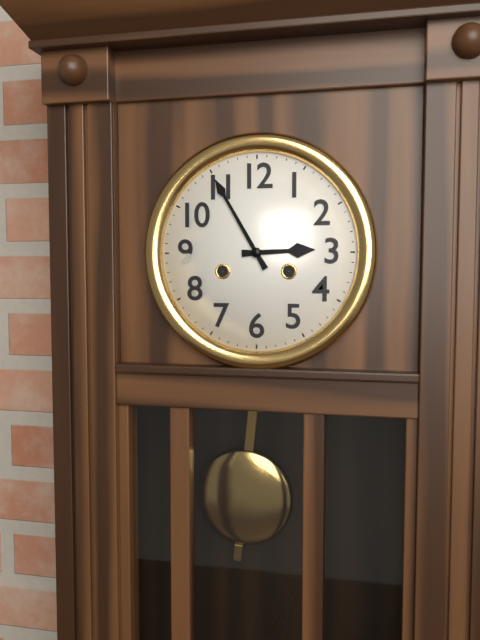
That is 2 h 55 min
